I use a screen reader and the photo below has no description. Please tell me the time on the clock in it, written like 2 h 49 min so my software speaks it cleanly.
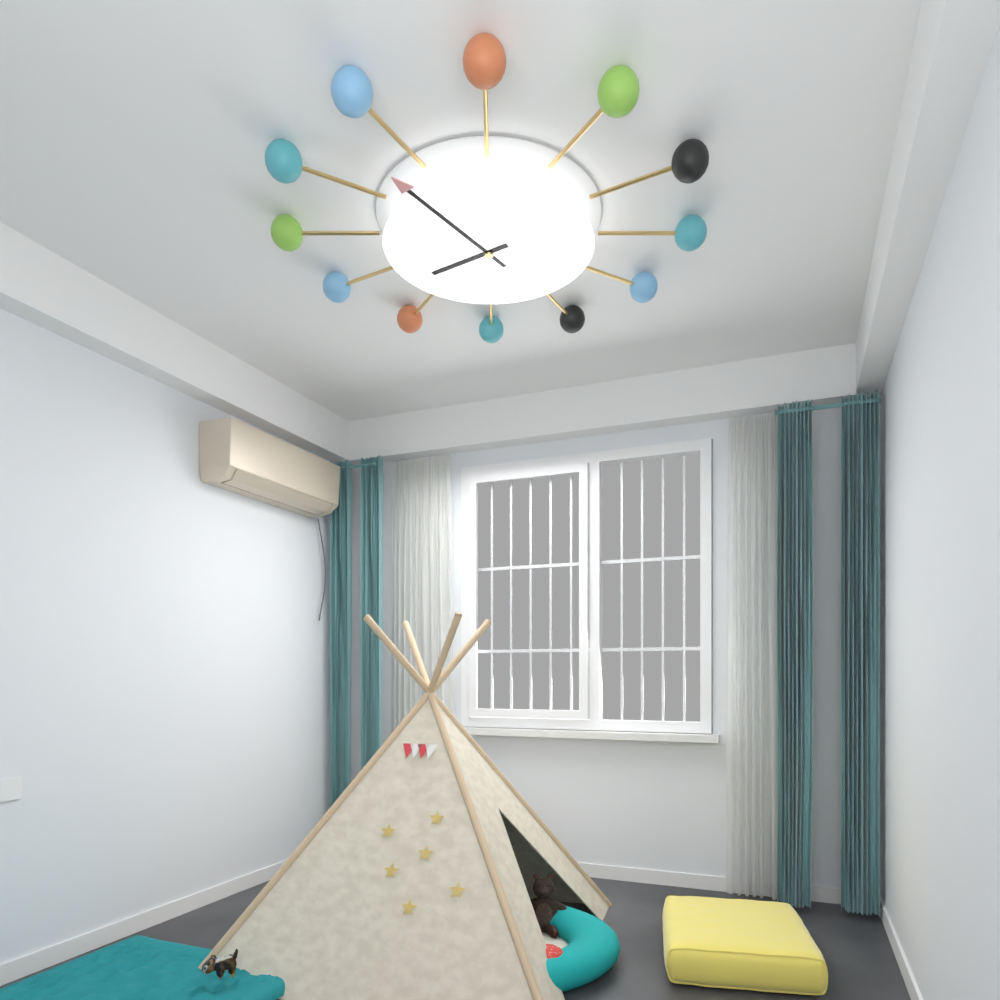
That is 7 h 54 min
